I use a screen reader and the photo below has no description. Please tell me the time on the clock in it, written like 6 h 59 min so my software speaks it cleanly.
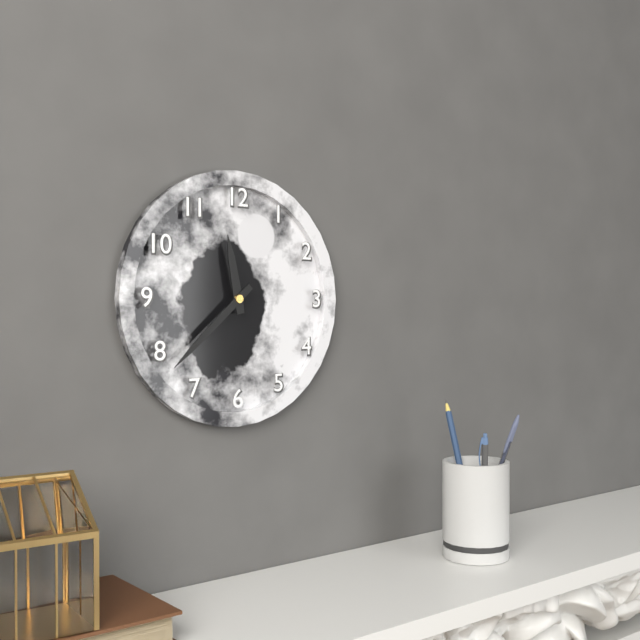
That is 11 h 38 min
